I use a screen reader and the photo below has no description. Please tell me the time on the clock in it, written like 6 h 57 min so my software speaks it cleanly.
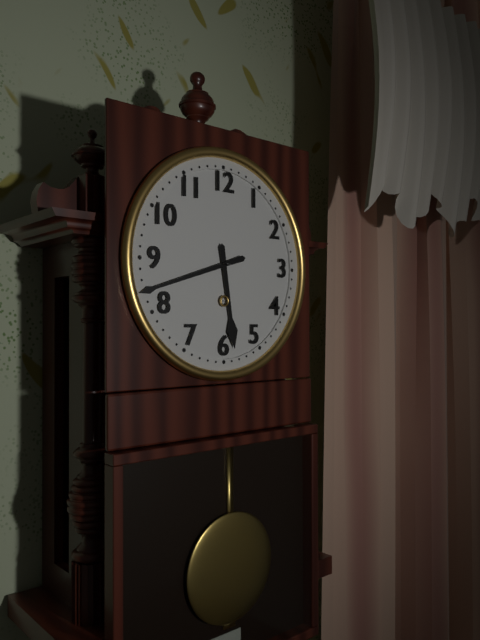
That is 5 h 42 min
